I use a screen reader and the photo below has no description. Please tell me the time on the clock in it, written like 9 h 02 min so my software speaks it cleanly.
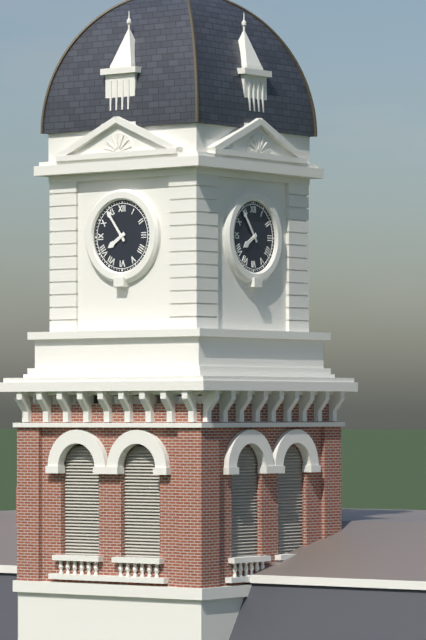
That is 7 h 54 min
